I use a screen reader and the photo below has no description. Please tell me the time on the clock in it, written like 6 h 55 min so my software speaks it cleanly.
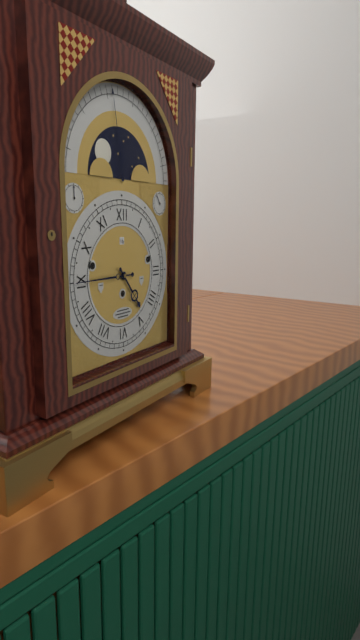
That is 4 h 45 min
